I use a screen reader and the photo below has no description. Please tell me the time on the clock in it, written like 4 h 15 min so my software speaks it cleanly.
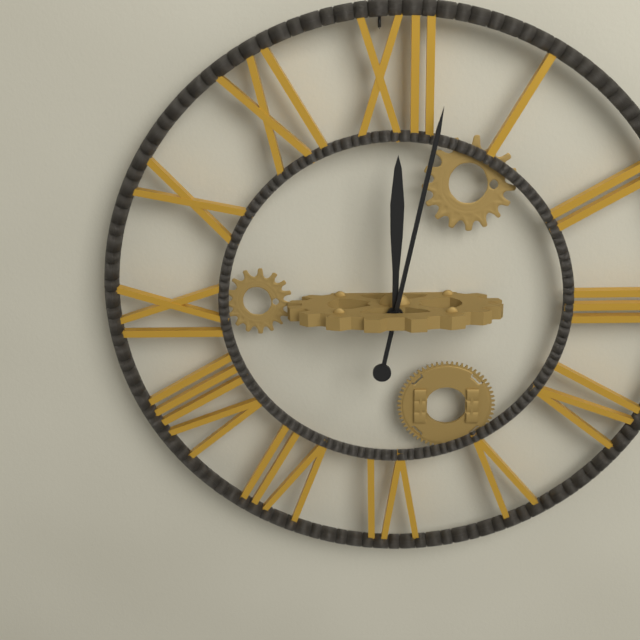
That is 12 h 02 min
